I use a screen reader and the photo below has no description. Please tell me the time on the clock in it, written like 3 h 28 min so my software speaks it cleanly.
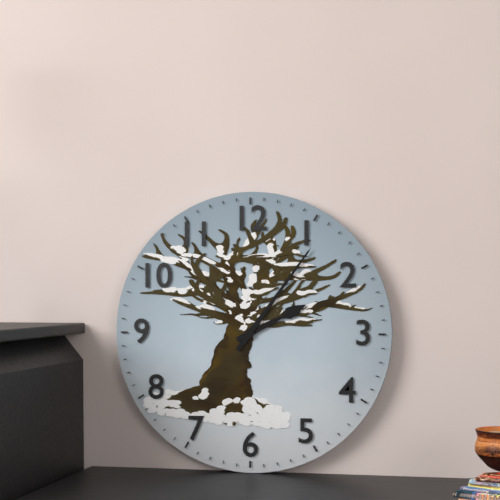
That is 2 h 06 min
